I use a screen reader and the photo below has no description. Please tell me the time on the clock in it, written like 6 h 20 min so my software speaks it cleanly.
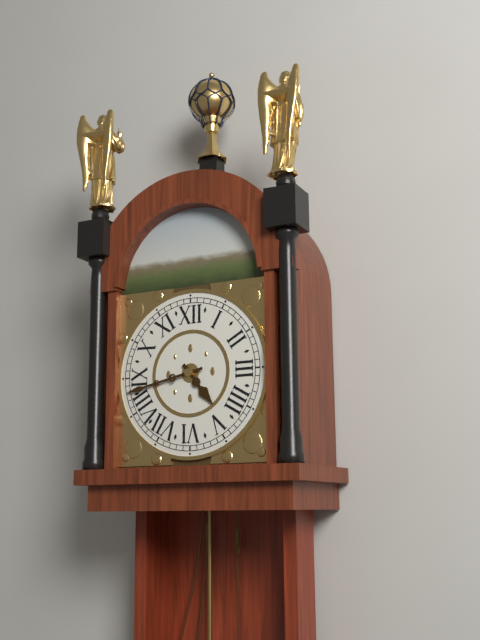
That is 4 h 43 min
